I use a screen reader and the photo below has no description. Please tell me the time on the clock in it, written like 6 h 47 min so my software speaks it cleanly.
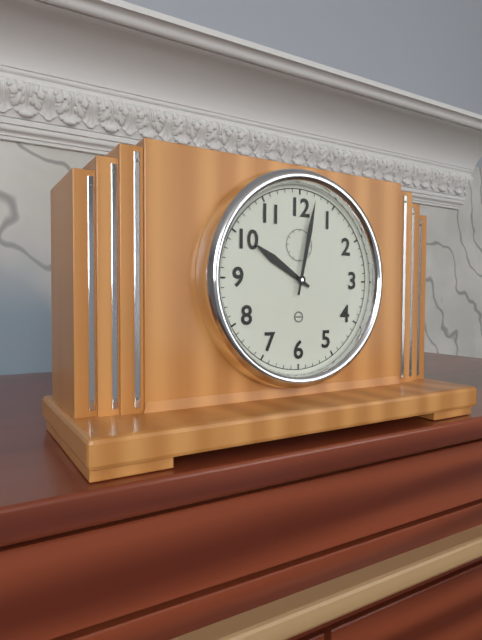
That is 10 h 02 min
